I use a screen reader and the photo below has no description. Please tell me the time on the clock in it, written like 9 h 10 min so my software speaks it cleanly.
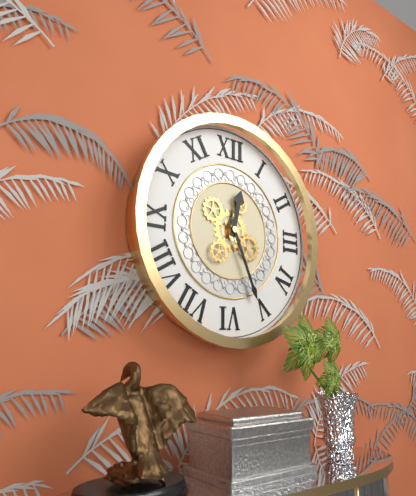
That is 12 h 26 min
